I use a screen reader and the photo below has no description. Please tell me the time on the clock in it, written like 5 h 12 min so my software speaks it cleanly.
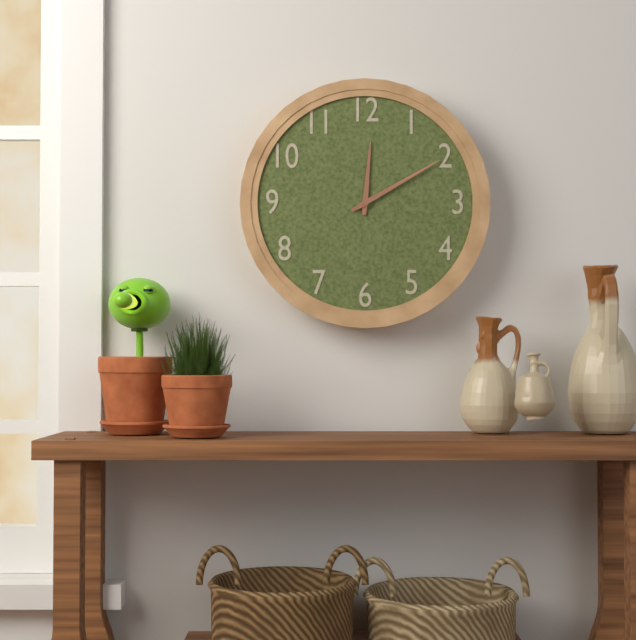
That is 12 h 10 min
